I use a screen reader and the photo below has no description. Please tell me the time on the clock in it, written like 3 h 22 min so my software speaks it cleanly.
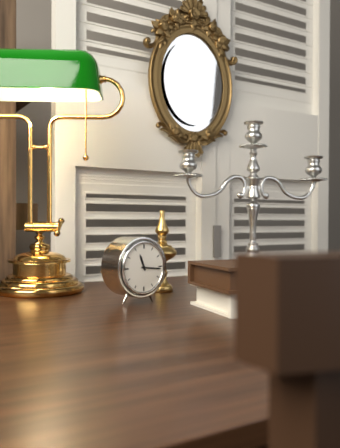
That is 11 h 16 min
